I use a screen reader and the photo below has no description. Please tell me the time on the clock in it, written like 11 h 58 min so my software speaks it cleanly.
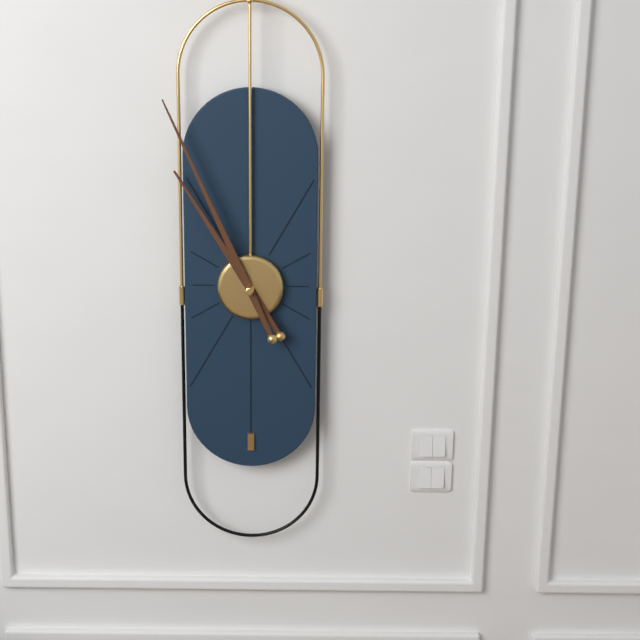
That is 10 h 56 min
